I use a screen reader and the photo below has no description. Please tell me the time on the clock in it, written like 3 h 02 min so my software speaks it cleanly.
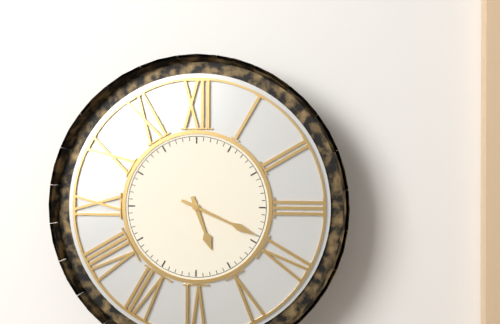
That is 5 h 19 min
